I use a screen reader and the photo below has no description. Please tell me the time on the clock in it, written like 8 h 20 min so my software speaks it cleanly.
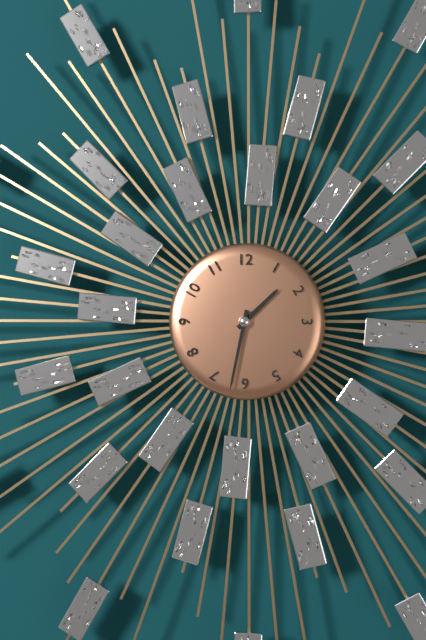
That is 1 h 32 min
